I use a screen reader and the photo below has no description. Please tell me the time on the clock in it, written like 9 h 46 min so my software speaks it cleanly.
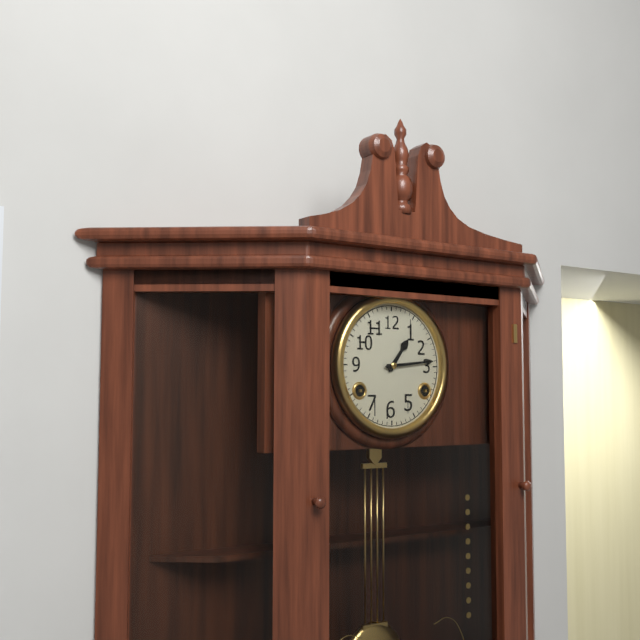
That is 1 h 14 min
